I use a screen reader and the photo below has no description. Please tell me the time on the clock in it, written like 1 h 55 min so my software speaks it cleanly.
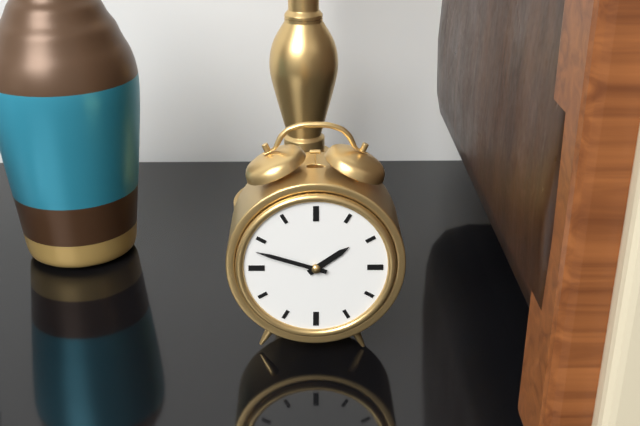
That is 1 h 48 min
